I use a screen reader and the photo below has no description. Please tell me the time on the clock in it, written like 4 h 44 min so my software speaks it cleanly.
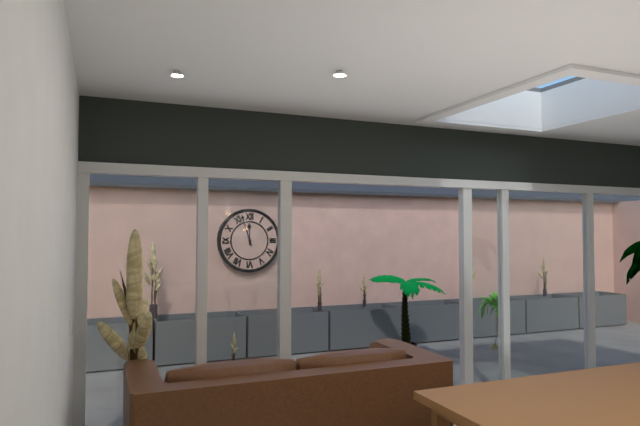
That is 11 h 57 min
